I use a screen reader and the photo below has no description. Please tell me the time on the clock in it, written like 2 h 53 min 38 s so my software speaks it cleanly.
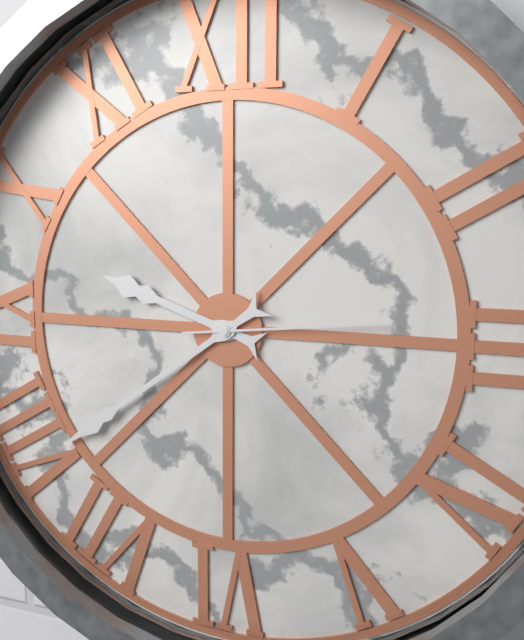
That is 9 h 39 min 14 s
